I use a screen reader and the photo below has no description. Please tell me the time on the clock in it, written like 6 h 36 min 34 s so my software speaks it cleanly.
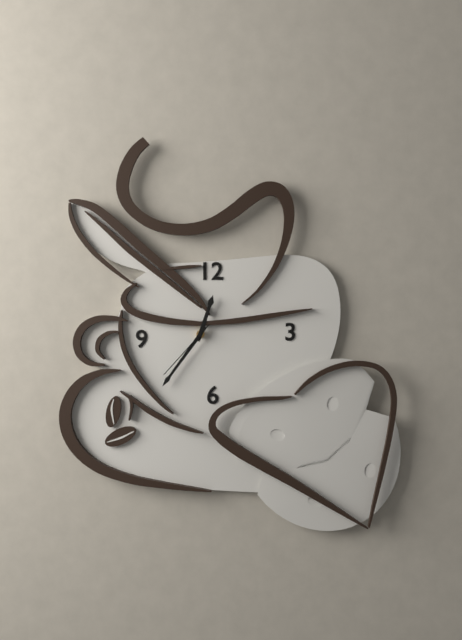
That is 12 h 36 min 37 s
